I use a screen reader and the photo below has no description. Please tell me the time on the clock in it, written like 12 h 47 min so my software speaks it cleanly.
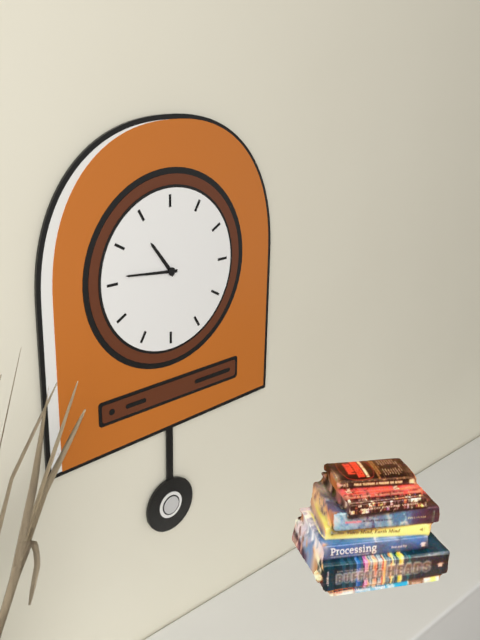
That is 10 h 46 min
